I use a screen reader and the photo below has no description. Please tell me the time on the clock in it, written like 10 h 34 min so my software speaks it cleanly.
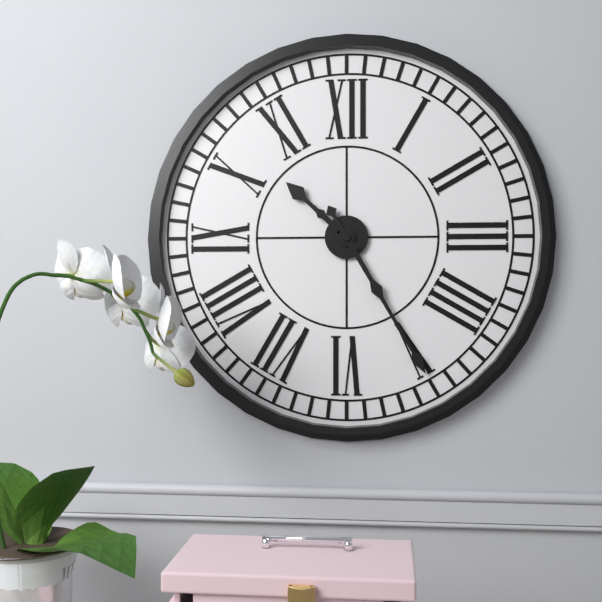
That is 10 h 25 min
